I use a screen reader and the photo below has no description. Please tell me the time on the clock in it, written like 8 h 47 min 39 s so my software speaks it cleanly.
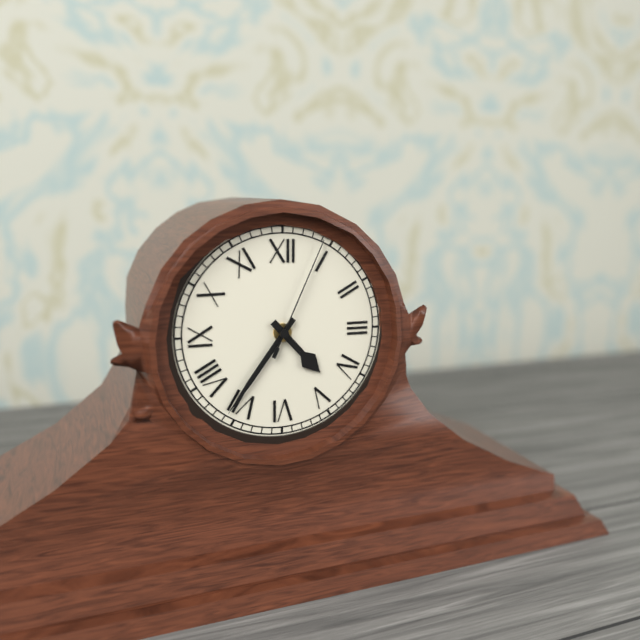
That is 4 h 36 min 04 s
